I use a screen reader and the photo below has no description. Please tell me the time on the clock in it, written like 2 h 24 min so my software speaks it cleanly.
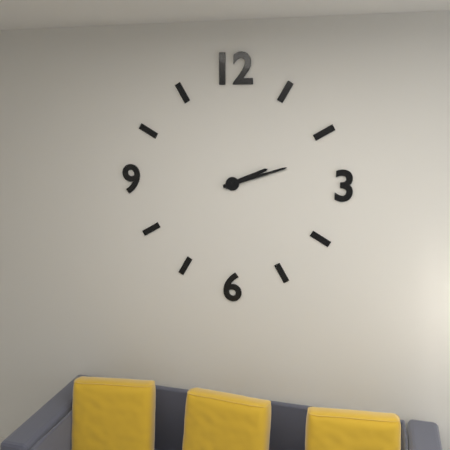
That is 2 h 12 min
